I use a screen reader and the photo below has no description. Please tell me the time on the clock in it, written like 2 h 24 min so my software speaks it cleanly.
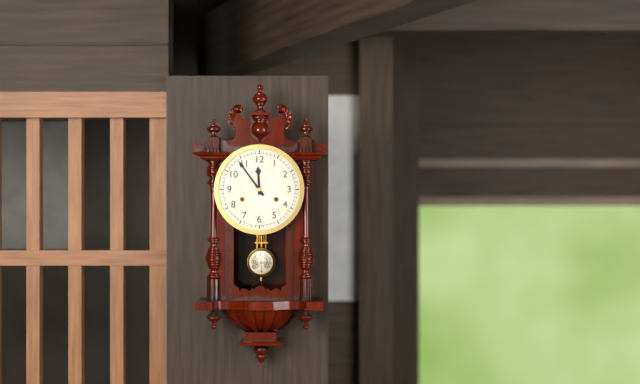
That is 11 h 54 min
